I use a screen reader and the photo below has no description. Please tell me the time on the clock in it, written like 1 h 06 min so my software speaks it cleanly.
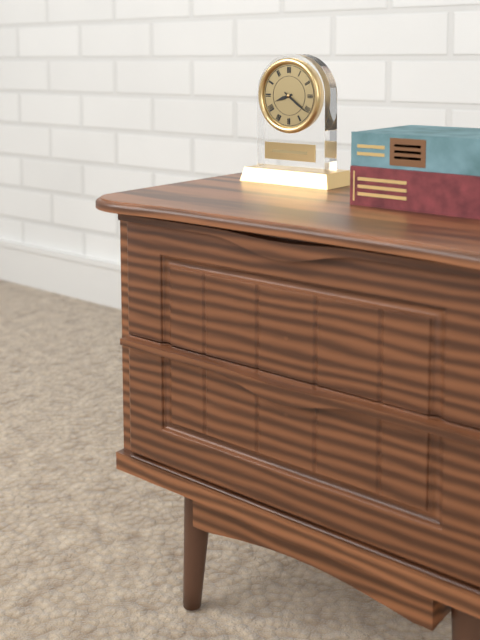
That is 8 h 21 min
